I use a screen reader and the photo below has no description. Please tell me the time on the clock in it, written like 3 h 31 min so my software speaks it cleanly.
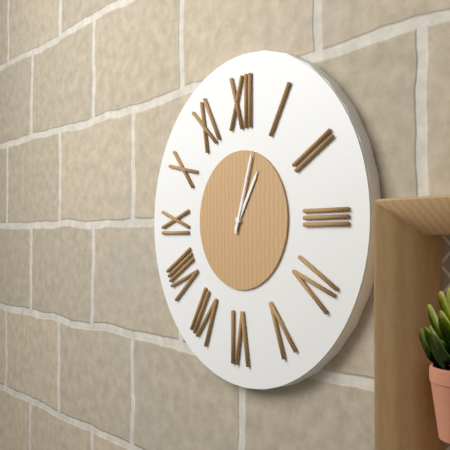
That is 1 h 03 min
